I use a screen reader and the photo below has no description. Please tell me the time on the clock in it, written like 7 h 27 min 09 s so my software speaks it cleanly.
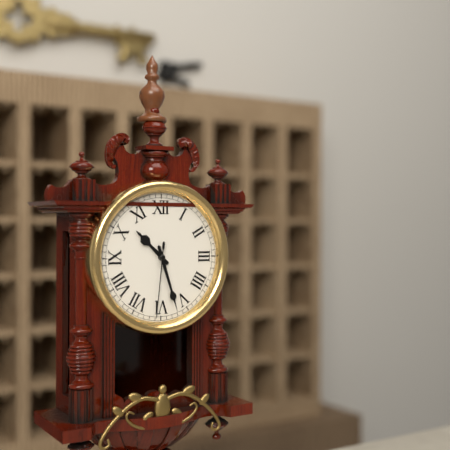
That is 10 h 27 min 31 s
